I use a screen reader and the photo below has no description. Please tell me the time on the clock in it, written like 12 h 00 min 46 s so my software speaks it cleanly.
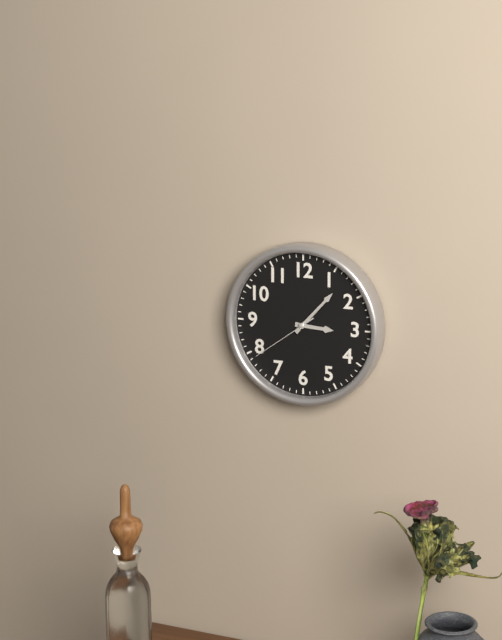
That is 3 h 07 min 39 s
